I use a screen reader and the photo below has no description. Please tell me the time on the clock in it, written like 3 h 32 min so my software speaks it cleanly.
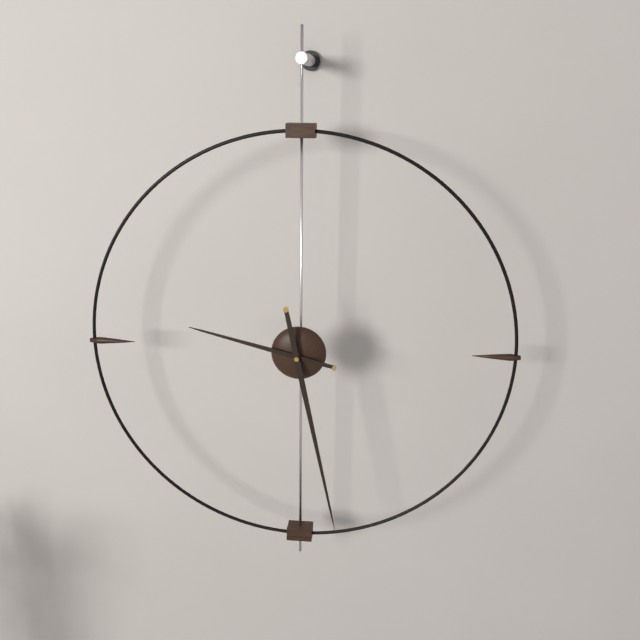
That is 9 h 28 min
